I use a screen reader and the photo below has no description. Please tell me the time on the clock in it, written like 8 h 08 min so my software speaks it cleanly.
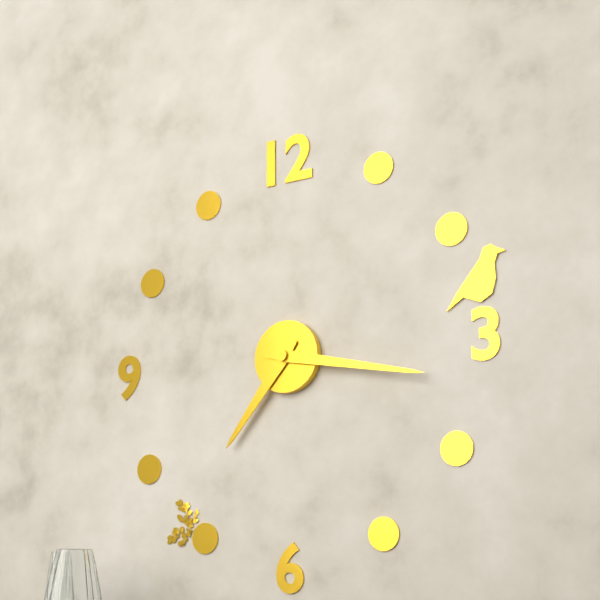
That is 7 h 17 min
